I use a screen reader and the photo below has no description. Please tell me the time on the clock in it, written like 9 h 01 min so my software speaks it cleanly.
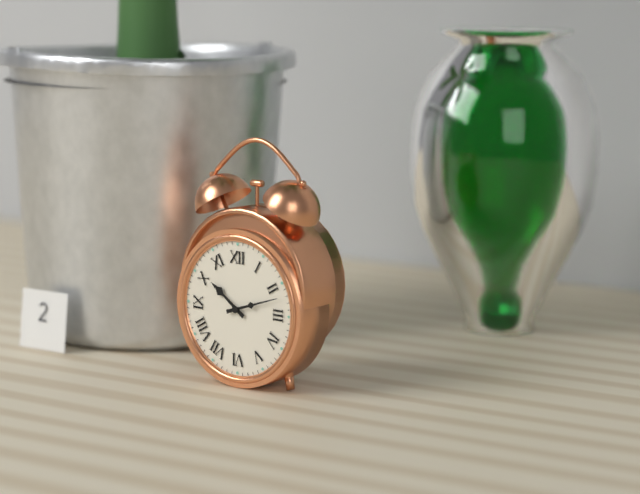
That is 10 h 12 min
